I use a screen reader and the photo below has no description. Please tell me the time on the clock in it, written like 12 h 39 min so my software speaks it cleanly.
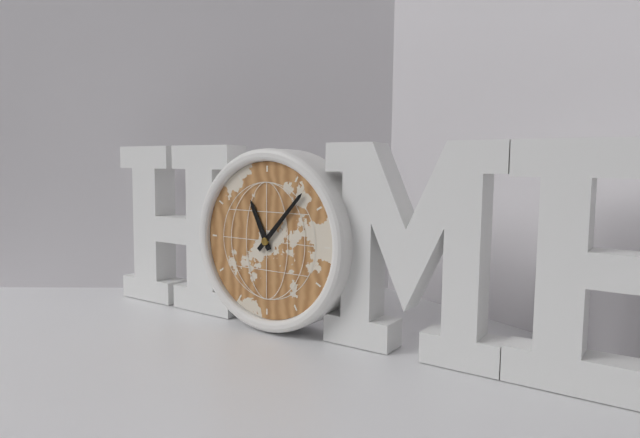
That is 11 h 07 min
